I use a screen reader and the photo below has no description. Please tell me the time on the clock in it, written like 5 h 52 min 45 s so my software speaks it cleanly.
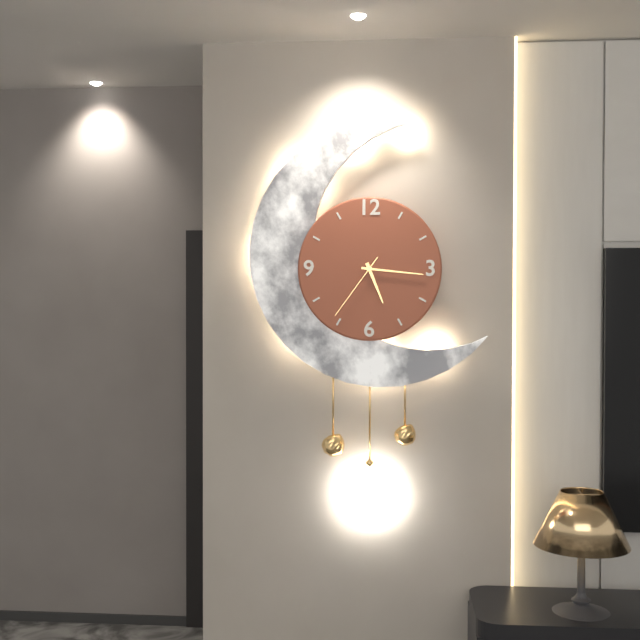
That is 5 h 16 min 36 s
